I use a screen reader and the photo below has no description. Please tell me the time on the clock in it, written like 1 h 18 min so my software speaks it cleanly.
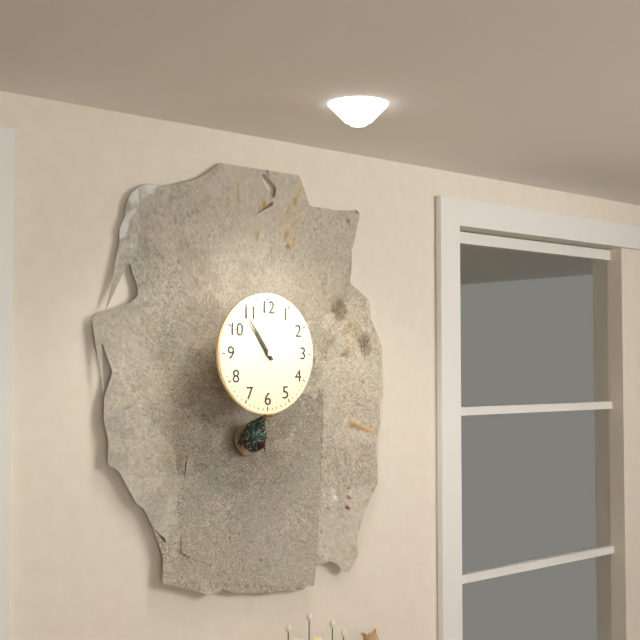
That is 10 h 54 min
